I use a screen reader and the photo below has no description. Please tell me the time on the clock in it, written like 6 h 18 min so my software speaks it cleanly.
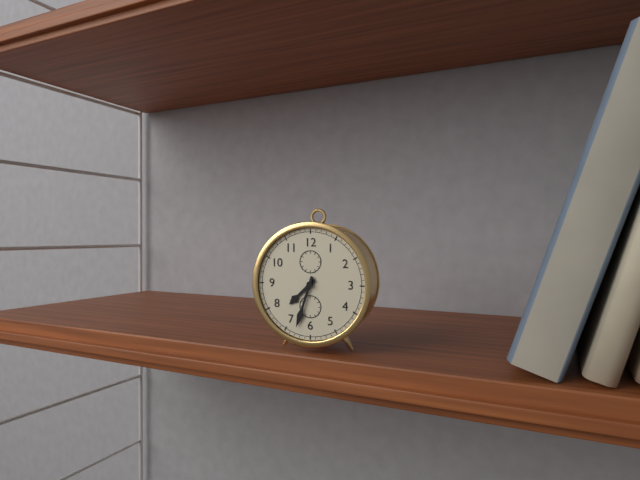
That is 7 h 33 min
